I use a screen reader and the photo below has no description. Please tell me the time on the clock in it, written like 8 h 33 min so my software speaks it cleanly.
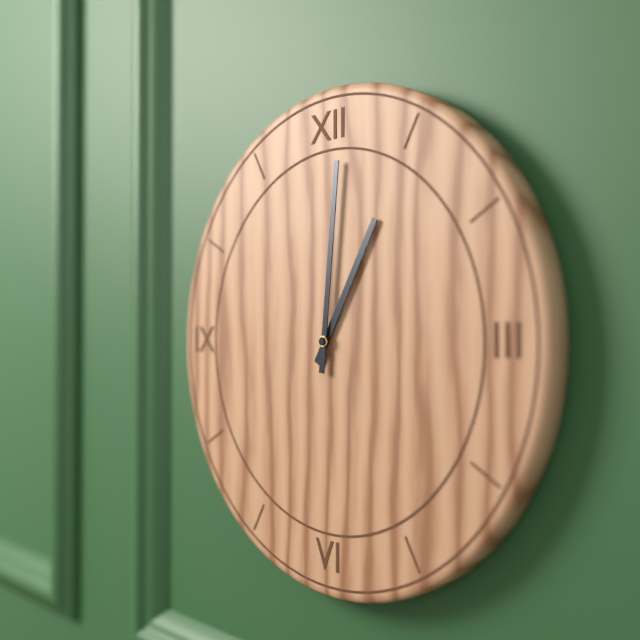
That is 1 h 01 min
